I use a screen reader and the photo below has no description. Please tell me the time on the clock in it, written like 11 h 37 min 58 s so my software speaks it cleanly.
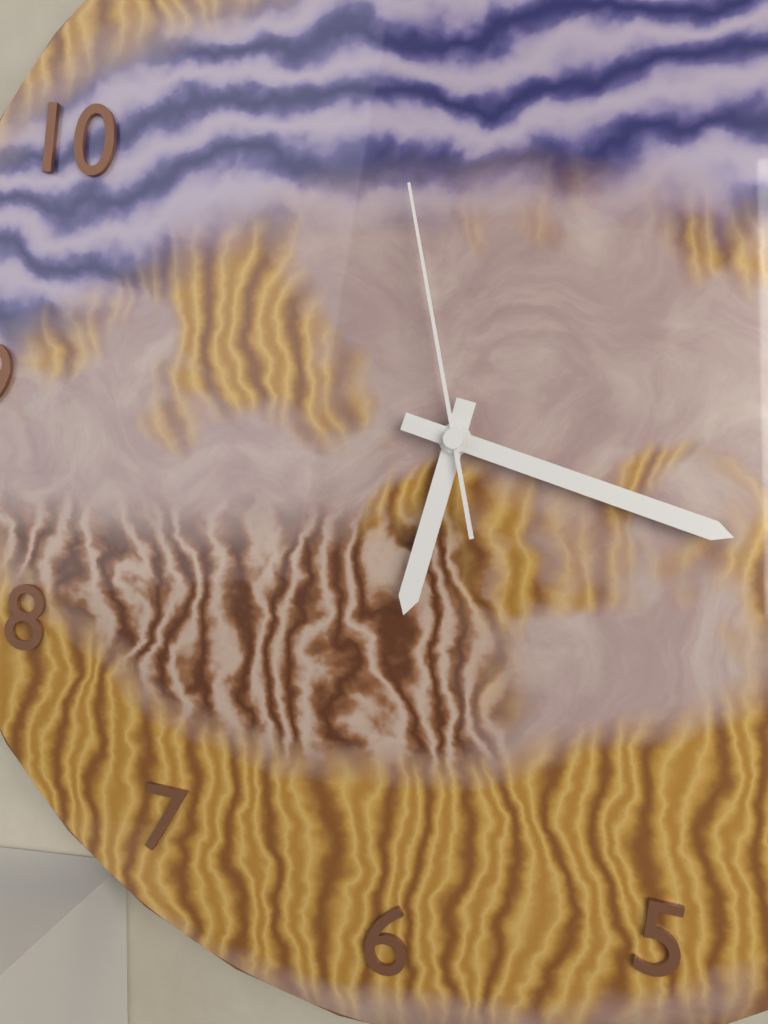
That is 6 h 17 min 57 s
